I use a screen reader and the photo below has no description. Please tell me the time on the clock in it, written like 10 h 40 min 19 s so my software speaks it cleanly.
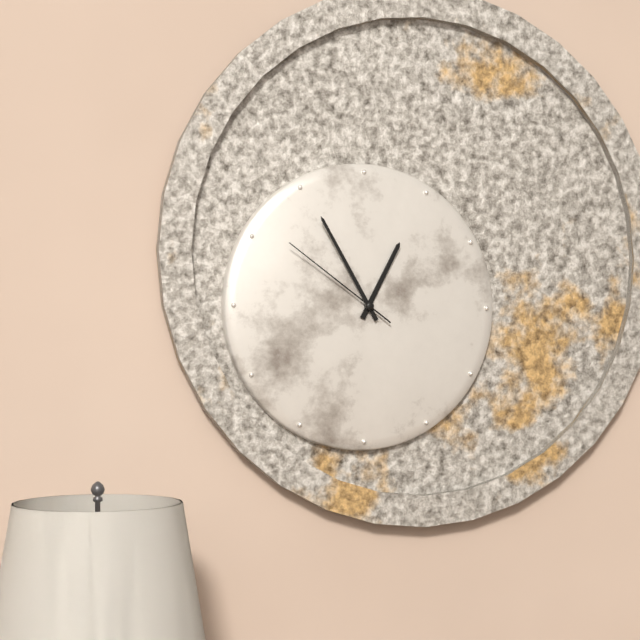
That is 12 h 55 min 51 s
